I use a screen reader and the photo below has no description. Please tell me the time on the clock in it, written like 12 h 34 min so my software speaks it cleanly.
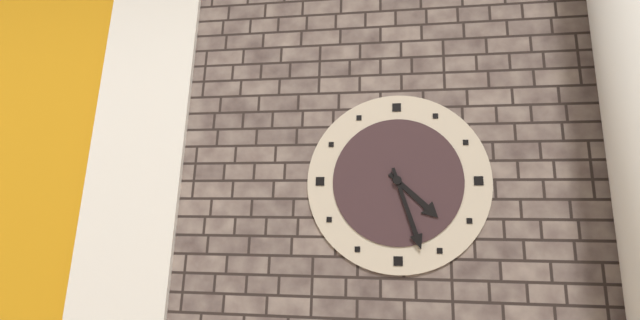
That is 4 h 27 min
